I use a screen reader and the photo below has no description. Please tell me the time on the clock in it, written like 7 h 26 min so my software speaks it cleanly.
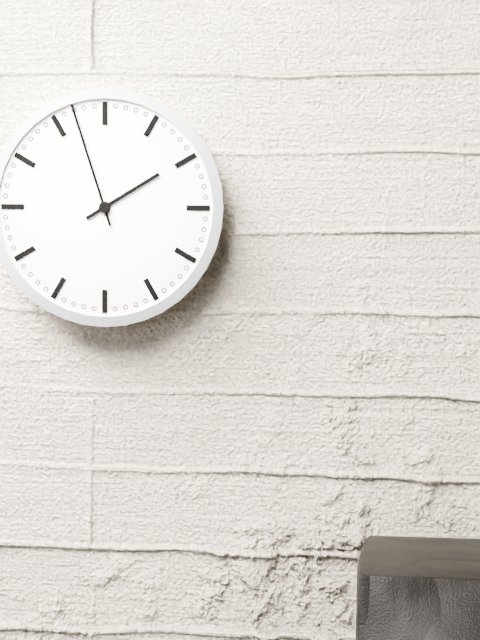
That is 1 h 57 min
